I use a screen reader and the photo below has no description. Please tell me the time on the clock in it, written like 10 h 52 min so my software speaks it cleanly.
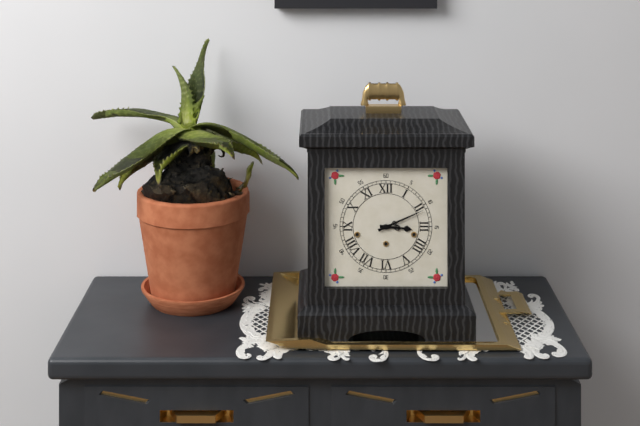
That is 3 h 11 min
